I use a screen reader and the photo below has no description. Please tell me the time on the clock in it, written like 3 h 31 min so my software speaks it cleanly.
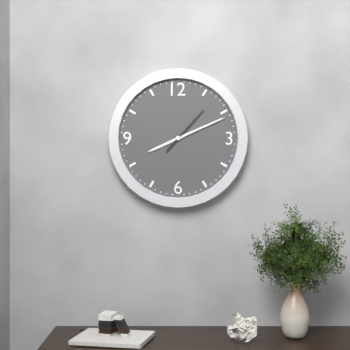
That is 8 h 11 min
